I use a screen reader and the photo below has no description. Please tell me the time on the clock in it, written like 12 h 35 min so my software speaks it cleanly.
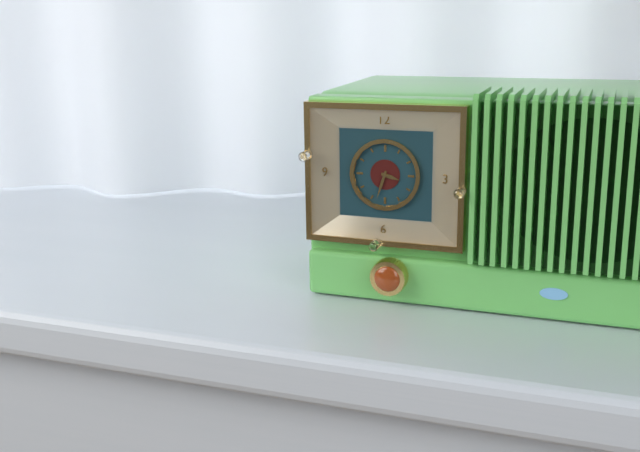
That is 3 h 33 min
